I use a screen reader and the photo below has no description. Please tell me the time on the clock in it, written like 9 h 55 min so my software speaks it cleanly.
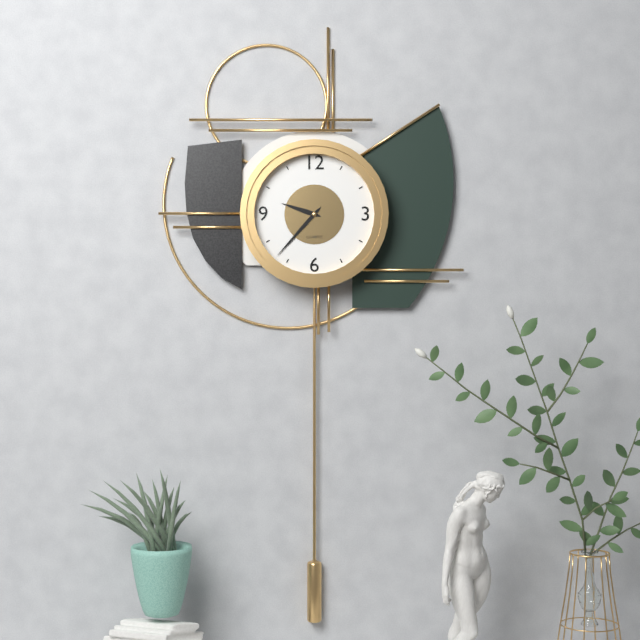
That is 9 h 37 min
